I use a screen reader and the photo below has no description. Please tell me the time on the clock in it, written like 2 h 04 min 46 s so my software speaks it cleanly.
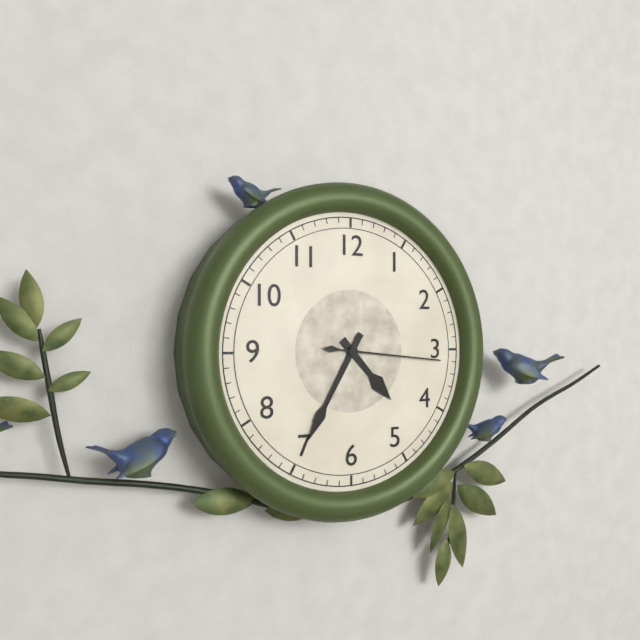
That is 4 h 35 min 16 s
